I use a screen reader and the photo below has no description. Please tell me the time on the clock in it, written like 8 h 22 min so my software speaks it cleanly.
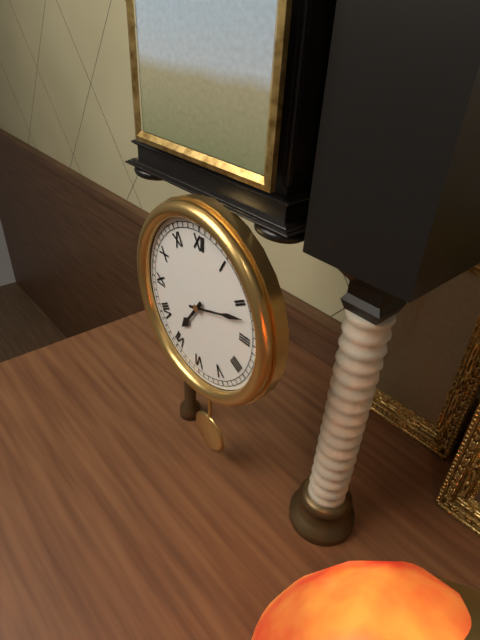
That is 7 h 12 min
